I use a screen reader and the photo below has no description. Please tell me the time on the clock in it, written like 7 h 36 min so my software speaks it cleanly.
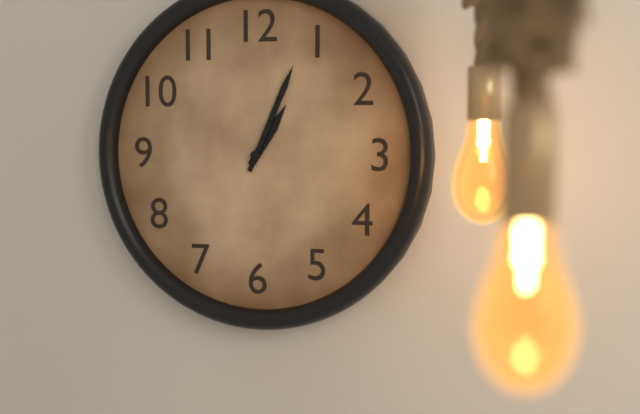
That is 1 h 04 min
